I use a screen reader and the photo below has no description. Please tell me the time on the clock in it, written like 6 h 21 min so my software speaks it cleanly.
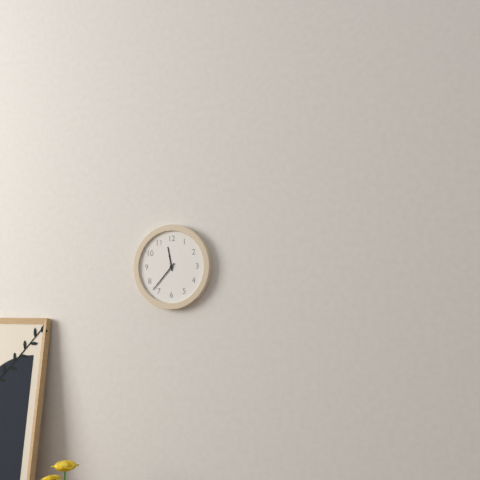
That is 11 h 37 min
